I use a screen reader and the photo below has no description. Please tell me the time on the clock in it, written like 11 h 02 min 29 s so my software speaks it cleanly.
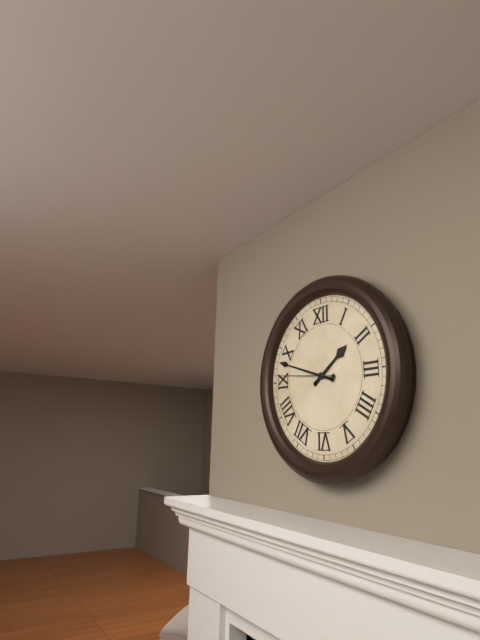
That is 1 h 48 min 46 s
